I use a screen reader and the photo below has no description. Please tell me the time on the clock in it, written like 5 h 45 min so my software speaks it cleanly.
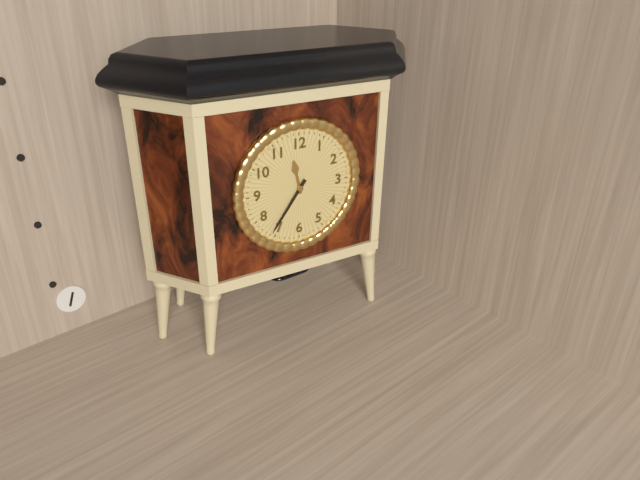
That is 11 h 36 min
